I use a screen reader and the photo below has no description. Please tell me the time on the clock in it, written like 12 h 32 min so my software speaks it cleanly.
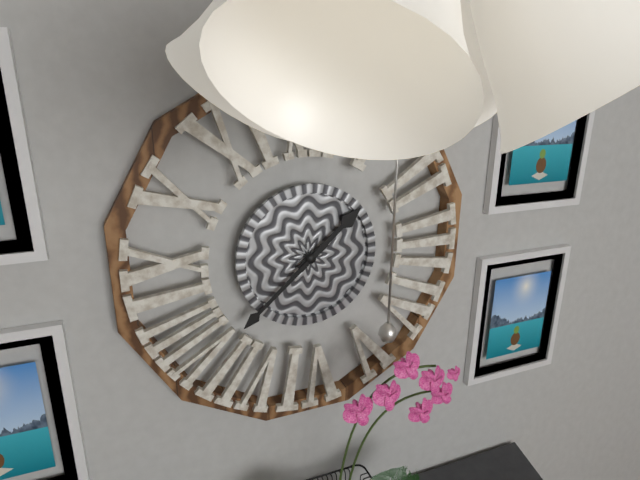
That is 1 h 38 min
